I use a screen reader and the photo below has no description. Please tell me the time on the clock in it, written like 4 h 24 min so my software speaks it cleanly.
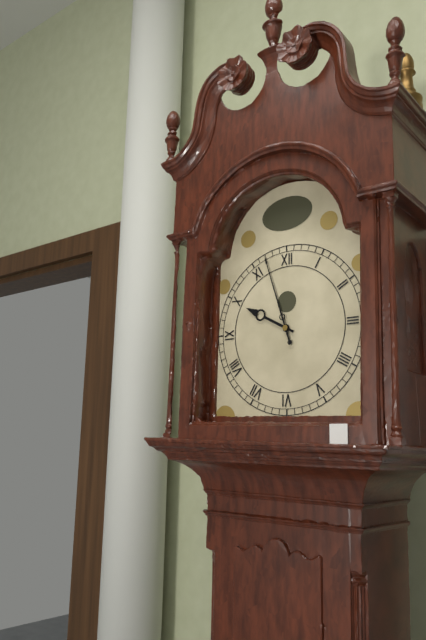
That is 9 h 57 min
